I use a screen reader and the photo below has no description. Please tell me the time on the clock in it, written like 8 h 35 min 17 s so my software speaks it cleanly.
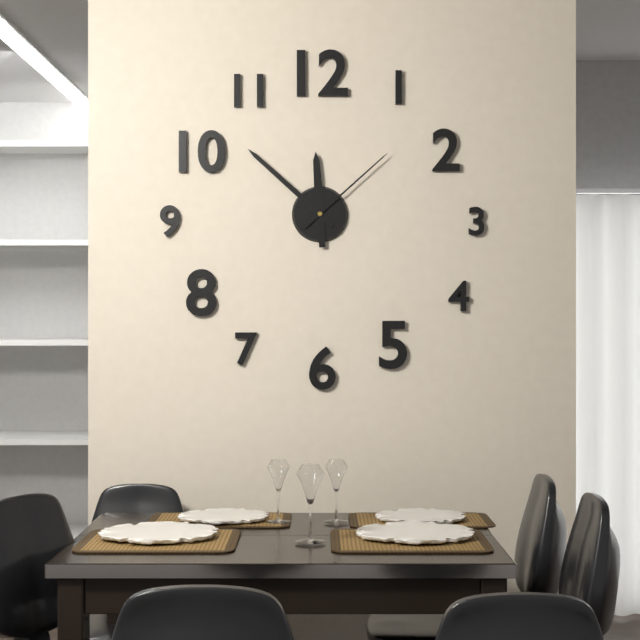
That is 11 h 52 min 08 s
